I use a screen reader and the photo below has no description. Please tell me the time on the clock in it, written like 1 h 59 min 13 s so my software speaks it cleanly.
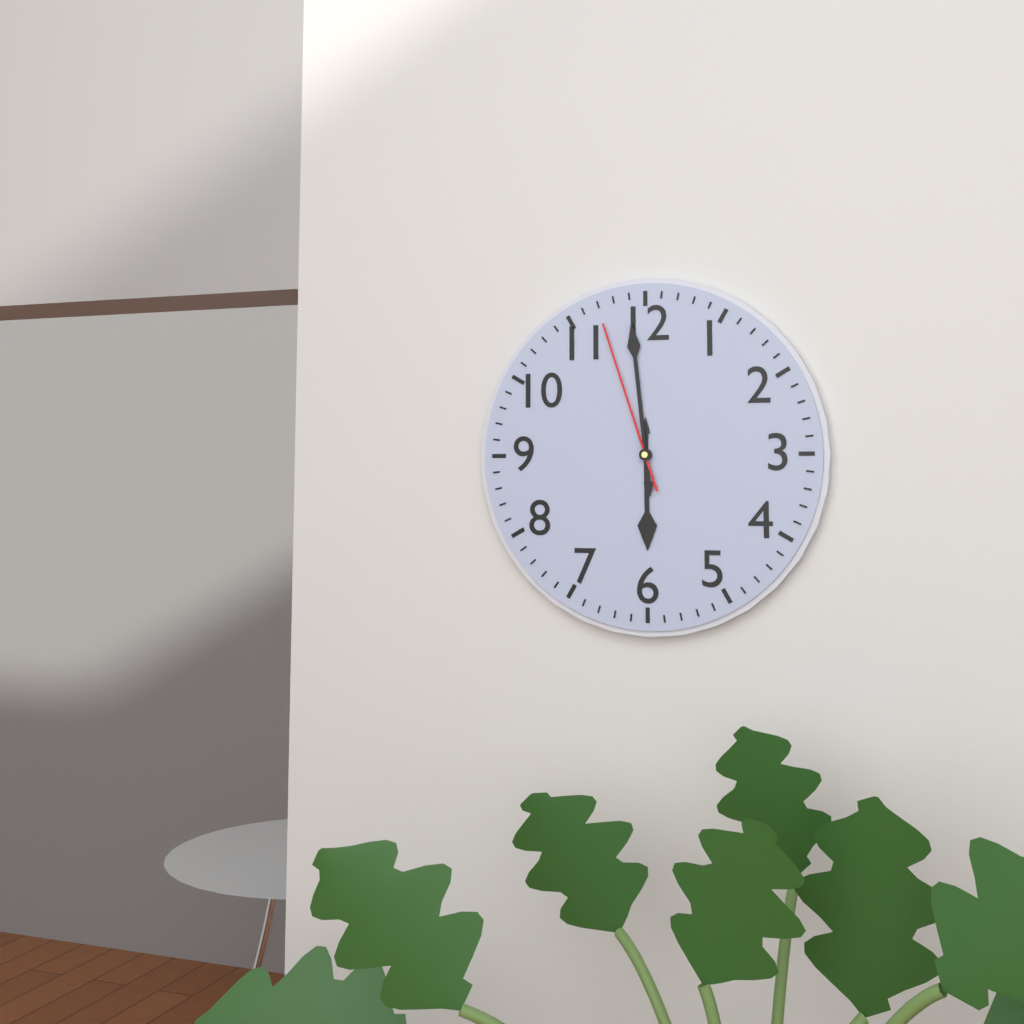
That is 5 h 59 min 57 s
